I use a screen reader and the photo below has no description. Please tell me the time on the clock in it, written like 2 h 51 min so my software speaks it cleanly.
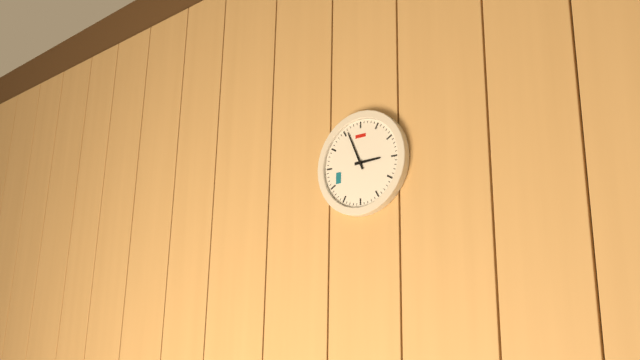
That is 2 h 56 min
